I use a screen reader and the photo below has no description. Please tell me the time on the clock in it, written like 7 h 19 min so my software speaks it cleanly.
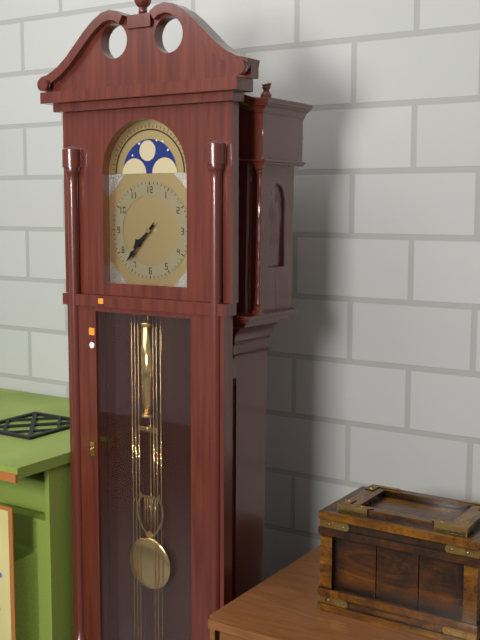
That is 7 h 37 min
